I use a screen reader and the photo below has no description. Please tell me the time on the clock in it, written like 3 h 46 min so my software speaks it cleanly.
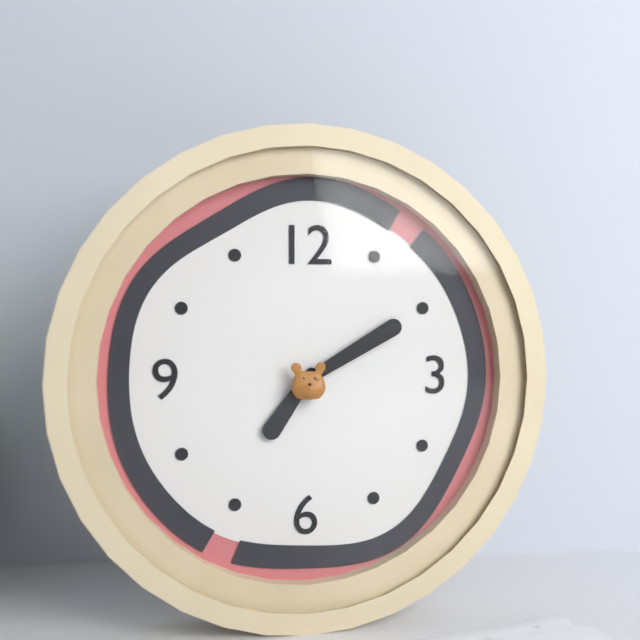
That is 7 h 10 min
